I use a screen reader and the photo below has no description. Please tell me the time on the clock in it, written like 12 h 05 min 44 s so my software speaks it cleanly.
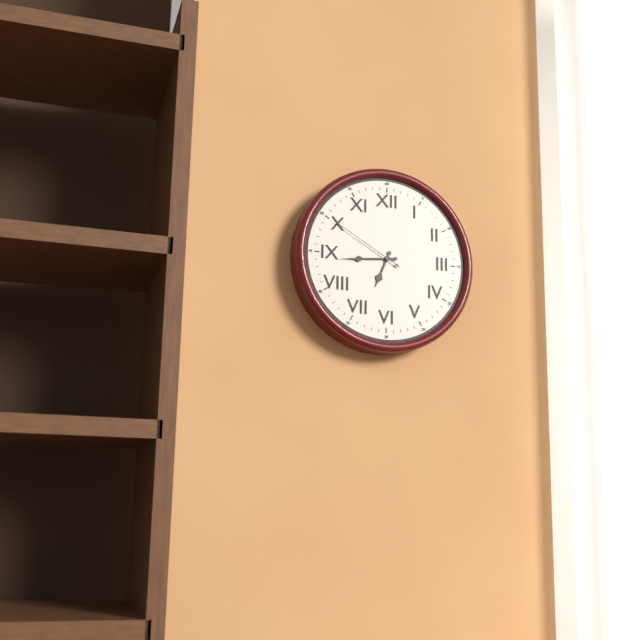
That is 6 h 44 min 50 s
